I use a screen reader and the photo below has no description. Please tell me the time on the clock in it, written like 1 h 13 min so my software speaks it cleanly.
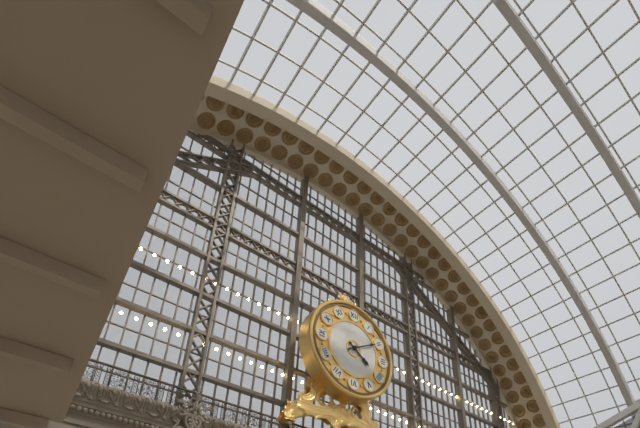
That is 4 h 10 min
